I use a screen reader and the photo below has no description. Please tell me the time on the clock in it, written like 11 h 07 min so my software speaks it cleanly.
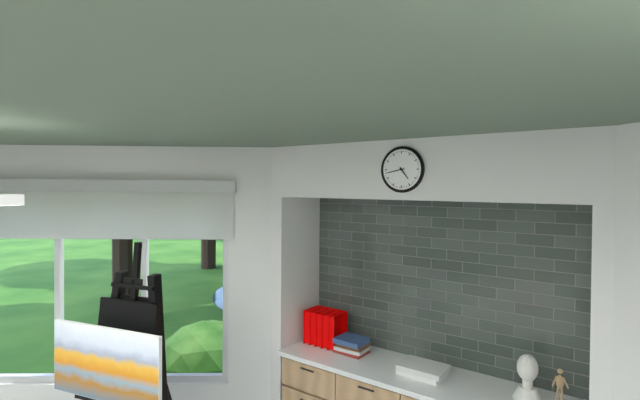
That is 4 h 43 min
